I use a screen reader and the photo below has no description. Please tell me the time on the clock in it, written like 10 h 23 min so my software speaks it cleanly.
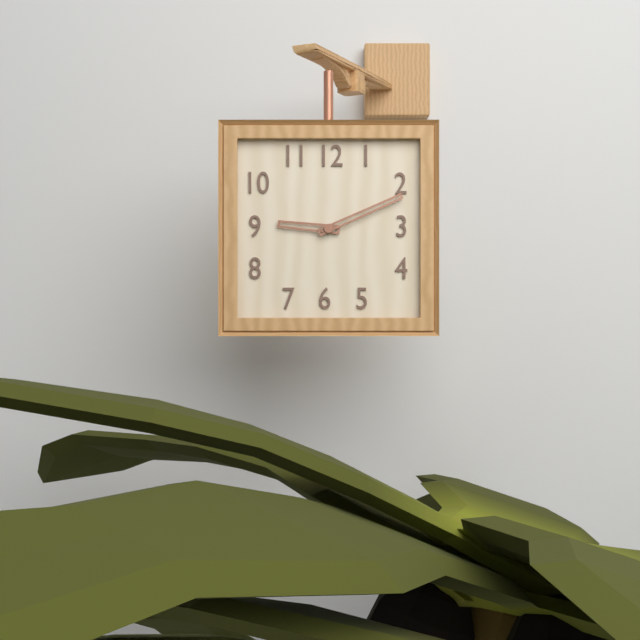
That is 9 h 11 min
